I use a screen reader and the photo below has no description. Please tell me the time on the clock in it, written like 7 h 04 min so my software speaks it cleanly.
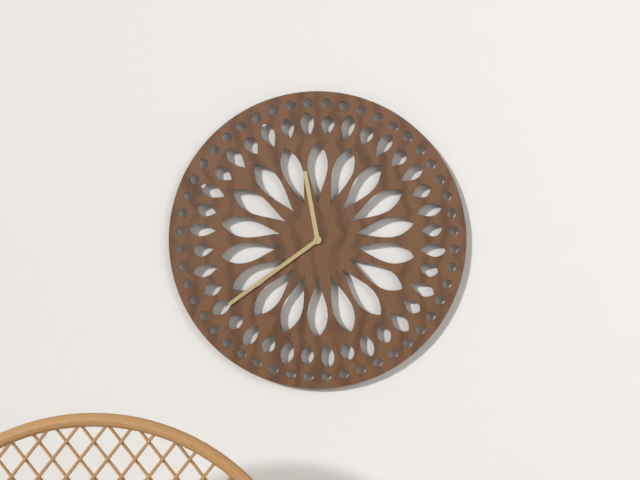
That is 11 h 39 min
